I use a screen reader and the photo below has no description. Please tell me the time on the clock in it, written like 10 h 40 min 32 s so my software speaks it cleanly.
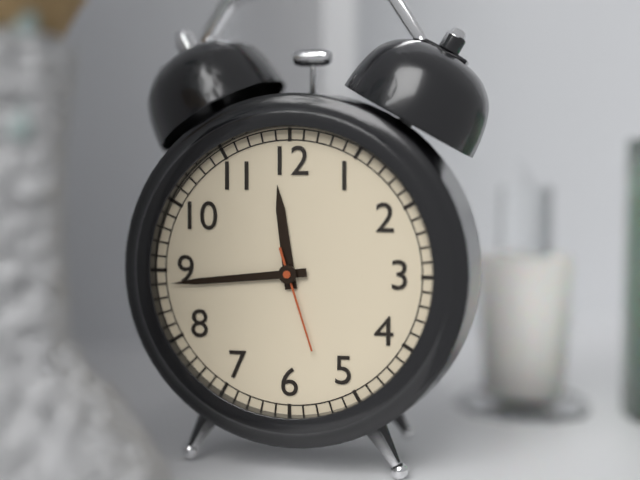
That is 11 h 44 min 27 s
